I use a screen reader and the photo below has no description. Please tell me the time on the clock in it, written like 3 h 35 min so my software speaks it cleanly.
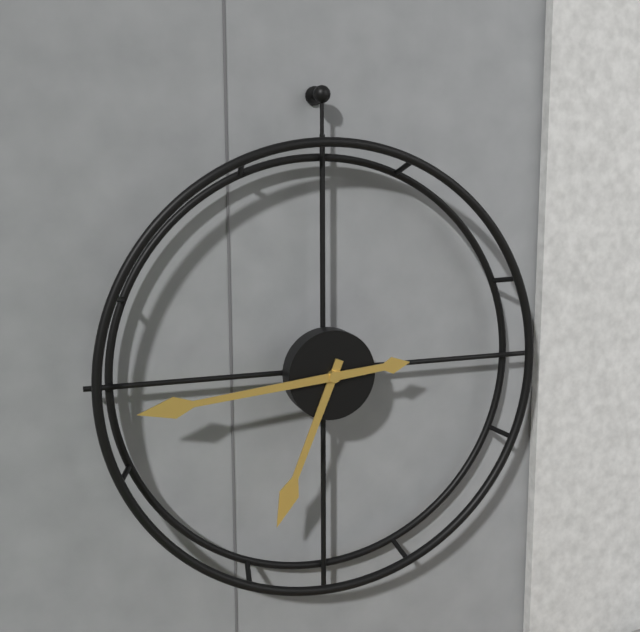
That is 6 h 44 min
